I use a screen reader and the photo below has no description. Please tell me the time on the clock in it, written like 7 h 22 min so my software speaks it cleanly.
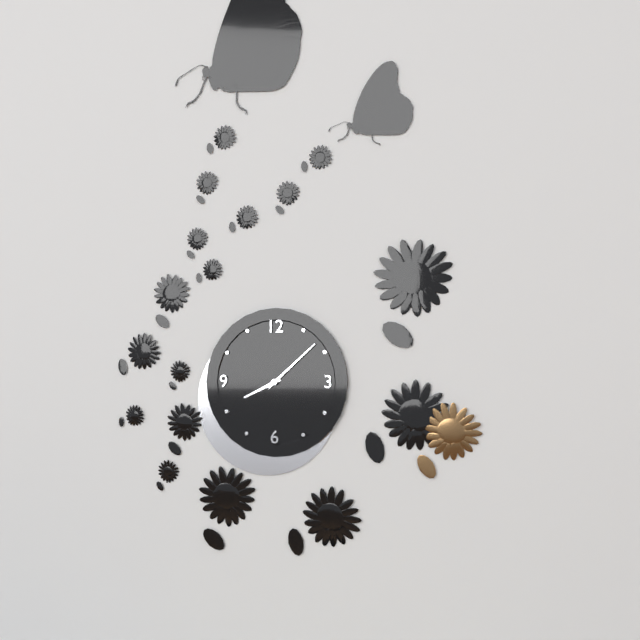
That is 8 h 08 min
